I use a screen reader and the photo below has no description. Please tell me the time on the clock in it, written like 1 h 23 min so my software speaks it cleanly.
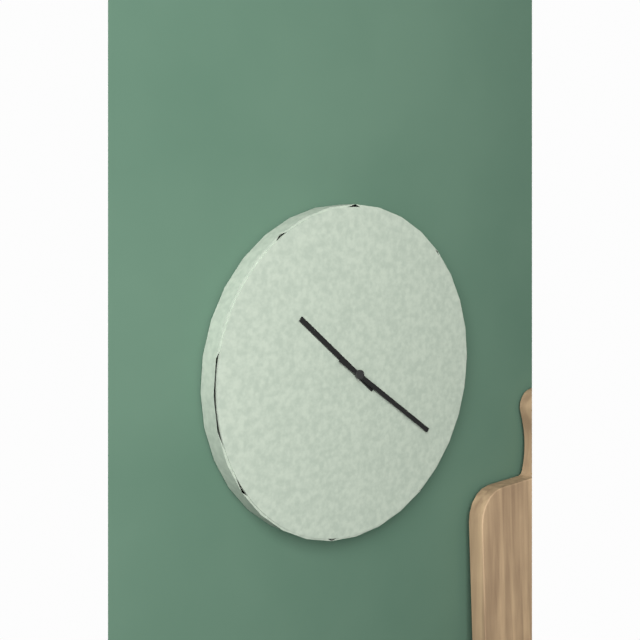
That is 10 h 21 min
